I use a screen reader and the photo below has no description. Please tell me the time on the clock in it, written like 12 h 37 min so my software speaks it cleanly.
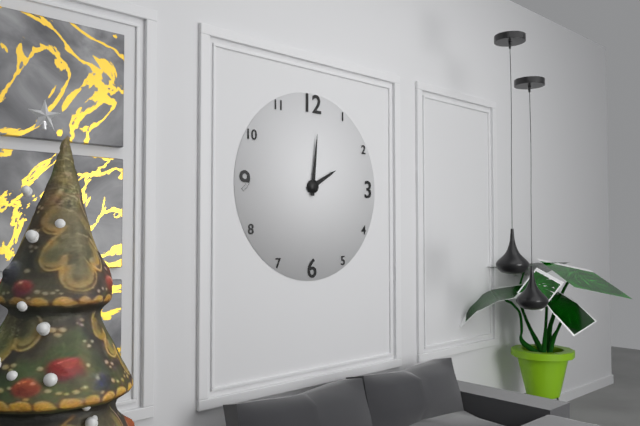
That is 2 h 01 min
